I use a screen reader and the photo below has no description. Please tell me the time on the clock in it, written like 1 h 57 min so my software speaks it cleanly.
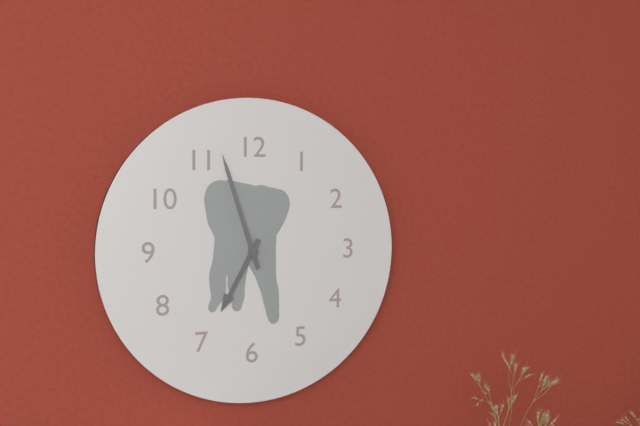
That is 6 h 57 min
